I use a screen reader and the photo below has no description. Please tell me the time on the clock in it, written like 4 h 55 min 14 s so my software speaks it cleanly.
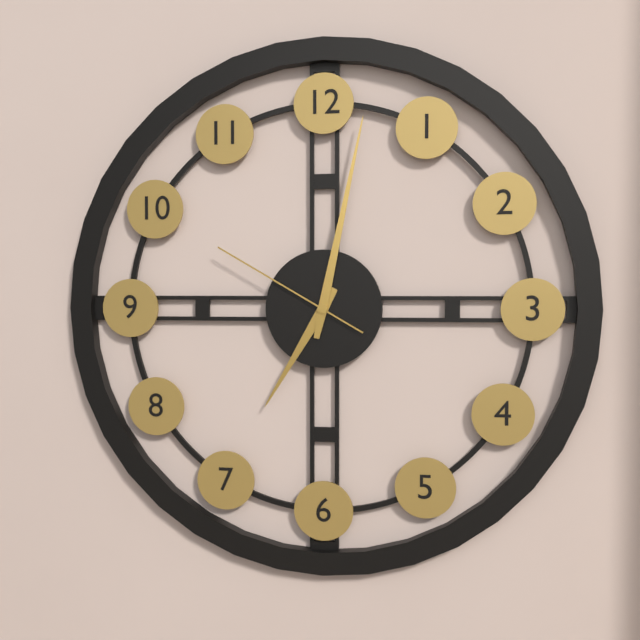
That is 7 h 02 min 50 s
